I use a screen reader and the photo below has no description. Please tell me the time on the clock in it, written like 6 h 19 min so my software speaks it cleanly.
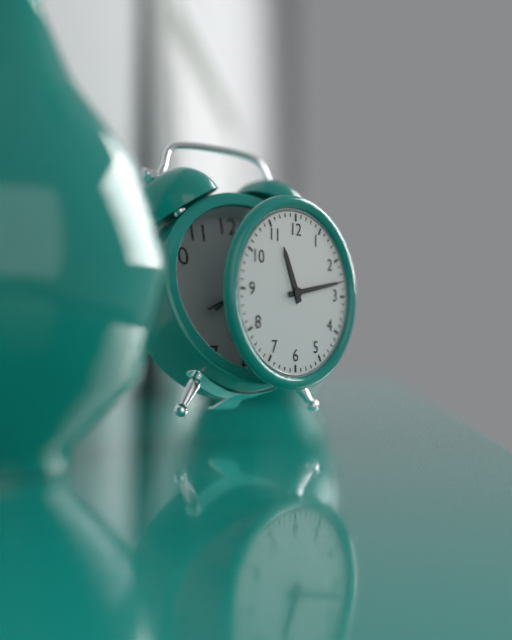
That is 11 h 13 min
